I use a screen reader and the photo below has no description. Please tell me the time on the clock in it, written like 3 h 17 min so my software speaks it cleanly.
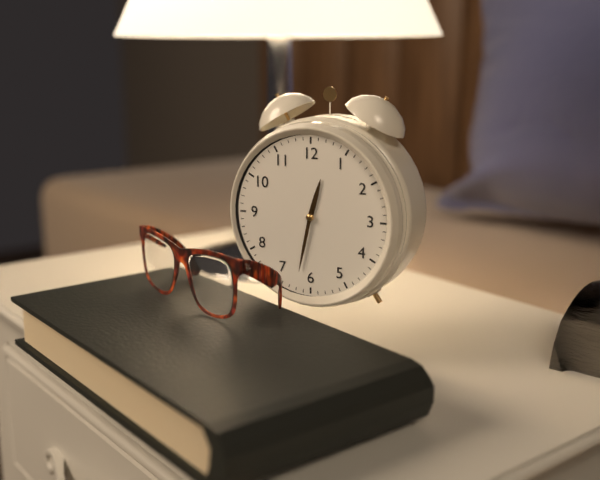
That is 12 h 32 min
